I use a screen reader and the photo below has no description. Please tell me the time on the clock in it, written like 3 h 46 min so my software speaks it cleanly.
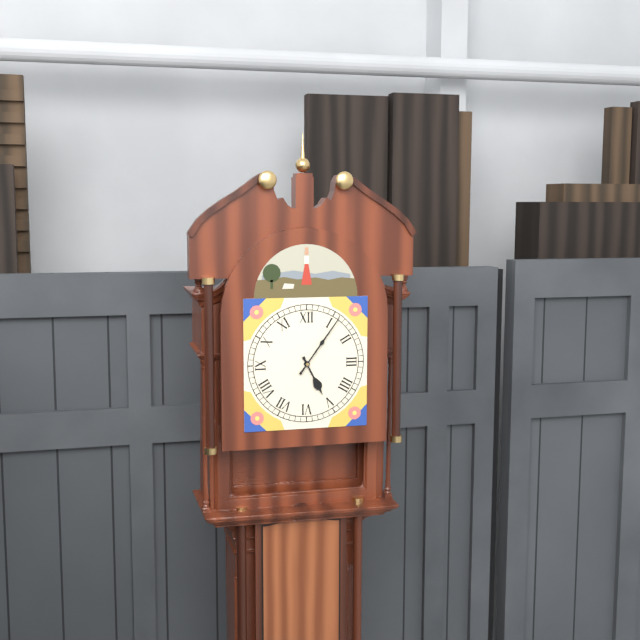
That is 5 h 06 min
